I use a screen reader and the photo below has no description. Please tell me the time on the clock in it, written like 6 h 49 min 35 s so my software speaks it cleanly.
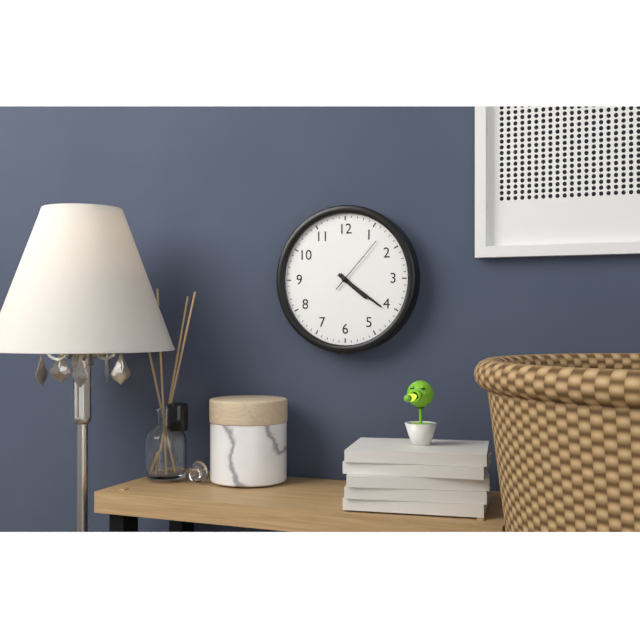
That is 4 h 21 min 07 s
